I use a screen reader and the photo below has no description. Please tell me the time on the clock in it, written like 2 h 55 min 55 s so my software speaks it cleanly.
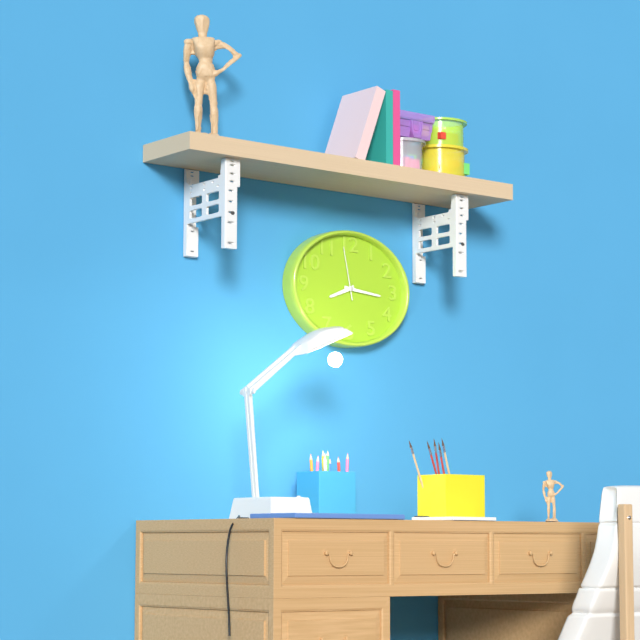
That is 8 h 16 min 58 s
